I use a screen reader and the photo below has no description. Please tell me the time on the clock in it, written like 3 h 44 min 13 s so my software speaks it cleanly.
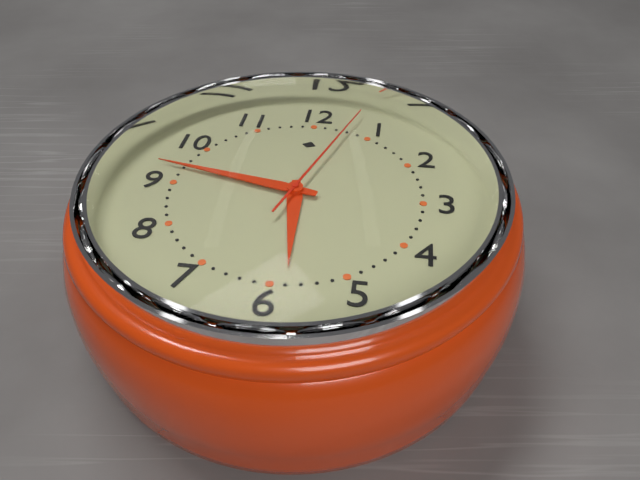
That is 5 h 47 min 03 s
